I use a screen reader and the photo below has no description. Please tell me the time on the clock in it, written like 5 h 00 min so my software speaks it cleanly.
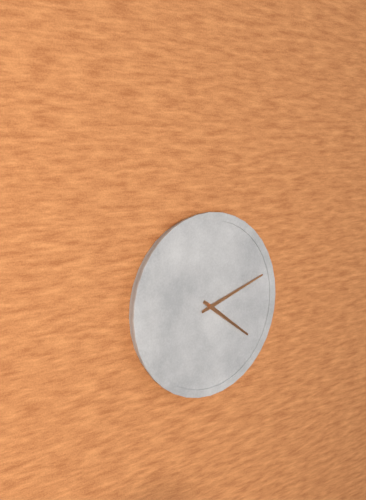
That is 4 h 12 min
